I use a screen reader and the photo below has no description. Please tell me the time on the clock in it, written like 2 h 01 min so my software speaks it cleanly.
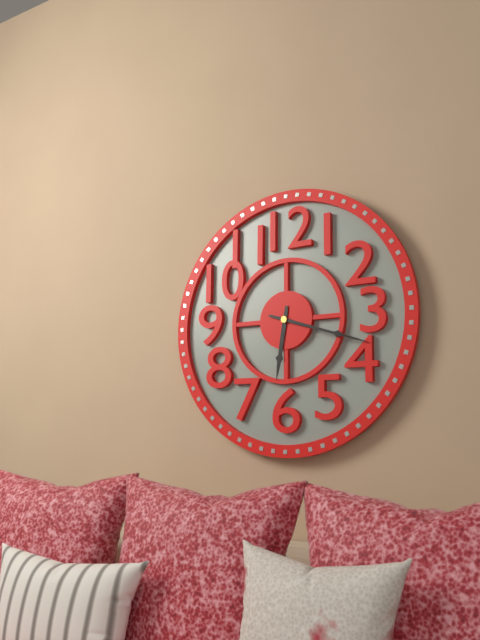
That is 6 h 18 min
